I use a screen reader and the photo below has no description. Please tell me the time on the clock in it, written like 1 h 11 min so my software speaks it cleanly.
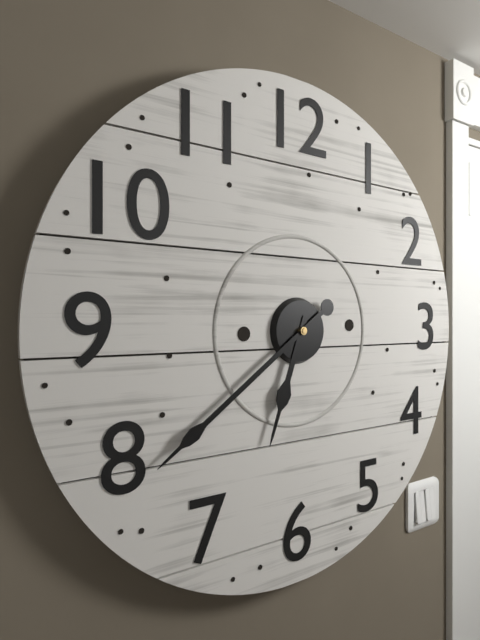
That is 6 h 39 min
